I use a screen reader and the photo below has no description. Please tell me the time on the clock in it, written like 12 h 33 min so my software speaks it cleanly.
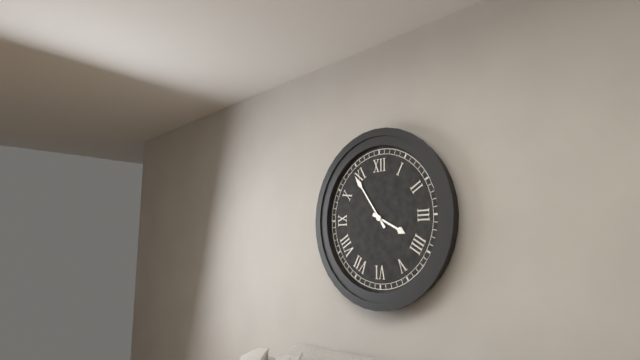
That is 3 h 54 min
